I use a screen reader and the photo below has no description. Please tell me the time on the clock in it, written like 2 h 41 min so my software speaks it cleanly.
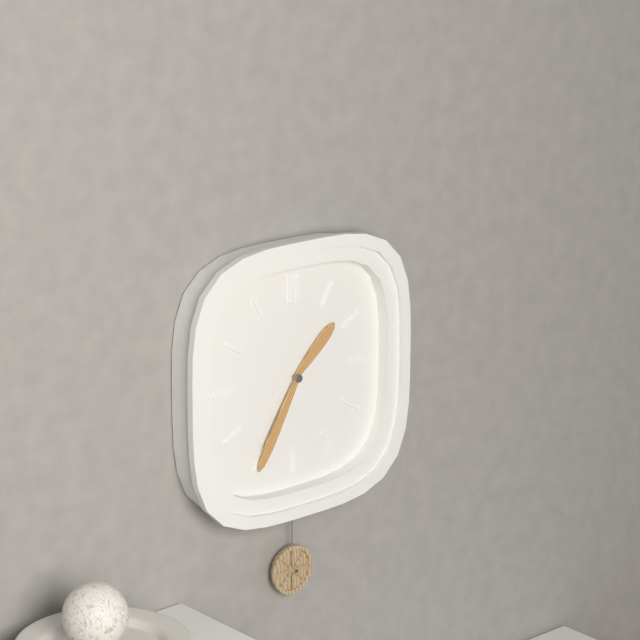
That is 1 h 35 min
